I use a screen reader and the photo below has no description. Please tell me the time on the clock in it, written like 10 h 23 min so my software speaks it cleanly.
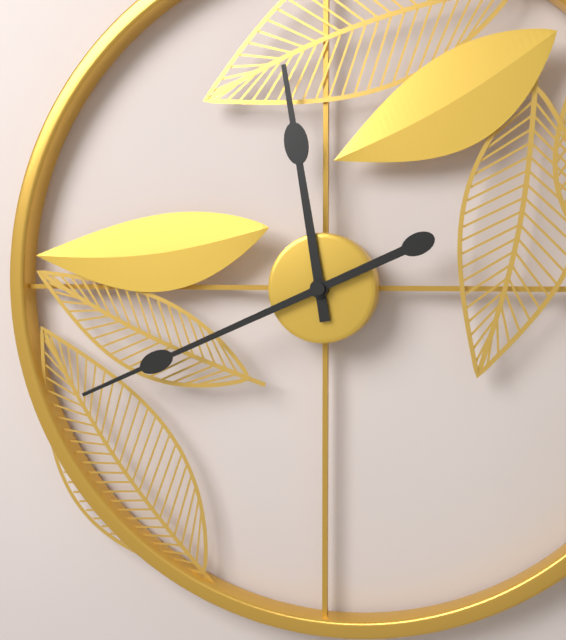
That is 11 h 41 min
